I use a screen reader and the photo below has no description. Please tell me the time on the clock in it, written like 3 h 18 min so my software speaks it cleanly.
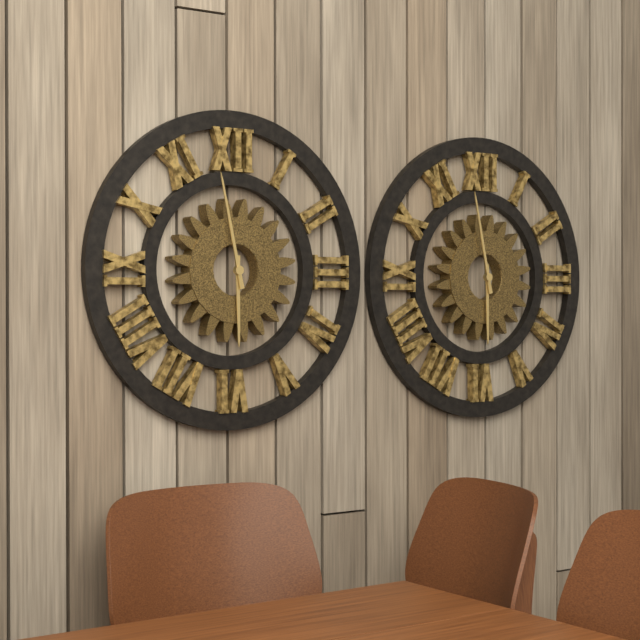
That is 5 h 58 min
